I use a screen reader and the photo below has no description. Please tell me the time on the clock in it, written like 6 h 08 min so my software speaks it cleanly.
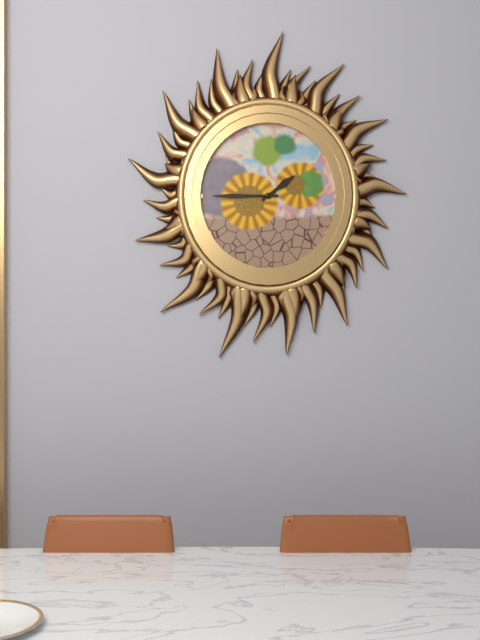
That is 1 h 45 min
